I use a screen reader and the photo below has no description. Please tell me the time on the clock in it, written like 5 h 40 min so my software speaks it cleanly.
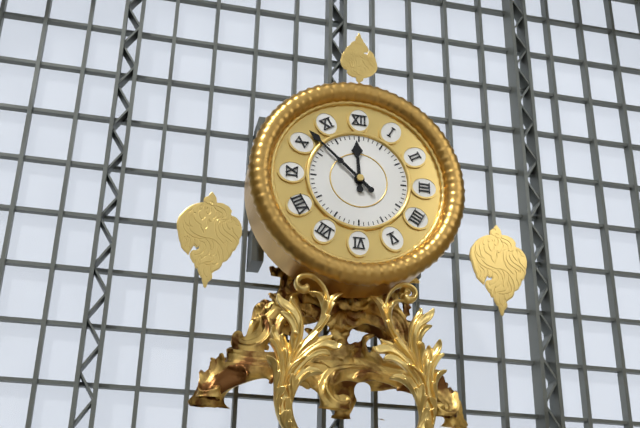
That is 11 h 52 min
